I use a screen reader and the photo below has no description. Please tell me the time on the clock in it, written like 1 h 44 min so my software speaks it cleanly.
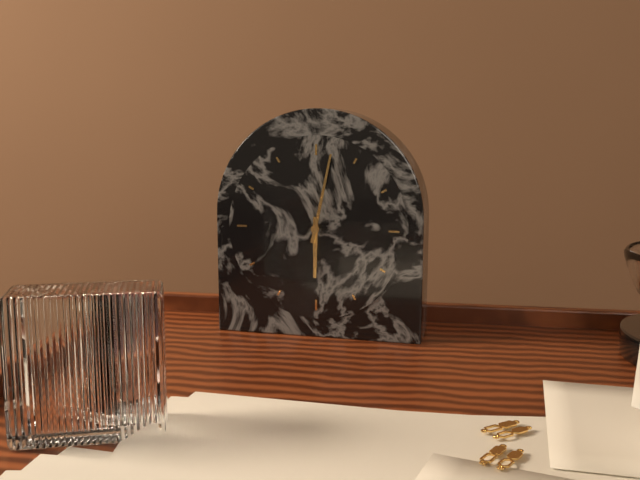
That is 6 h 02 min
